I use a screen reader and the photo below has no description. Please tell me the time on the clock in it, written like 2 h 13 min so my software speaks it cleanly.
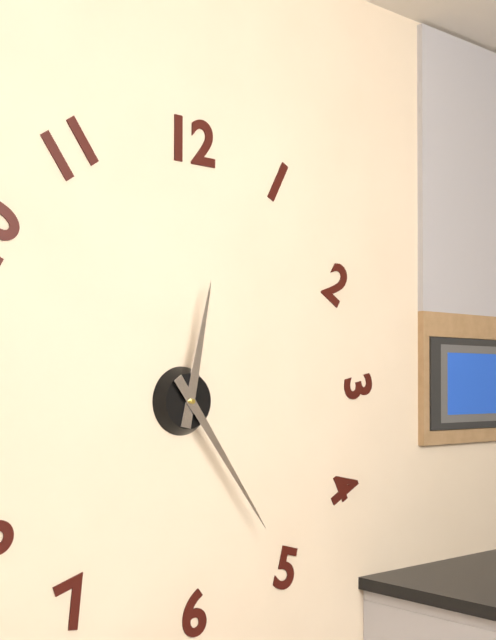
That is 12 h 24 min
